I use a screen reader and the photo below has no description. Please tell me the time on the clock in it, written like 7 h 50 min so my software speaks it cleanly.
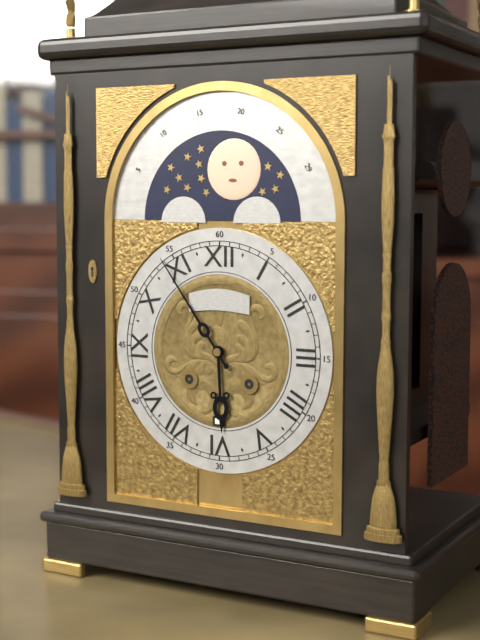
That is 5 h 54 min
